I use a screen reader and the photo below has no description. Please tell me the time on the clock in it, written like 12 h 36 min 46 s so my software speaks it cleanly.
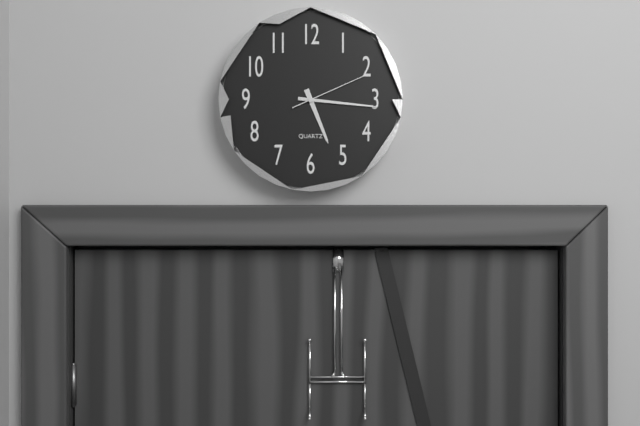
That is 5 h 16 min 11 s
